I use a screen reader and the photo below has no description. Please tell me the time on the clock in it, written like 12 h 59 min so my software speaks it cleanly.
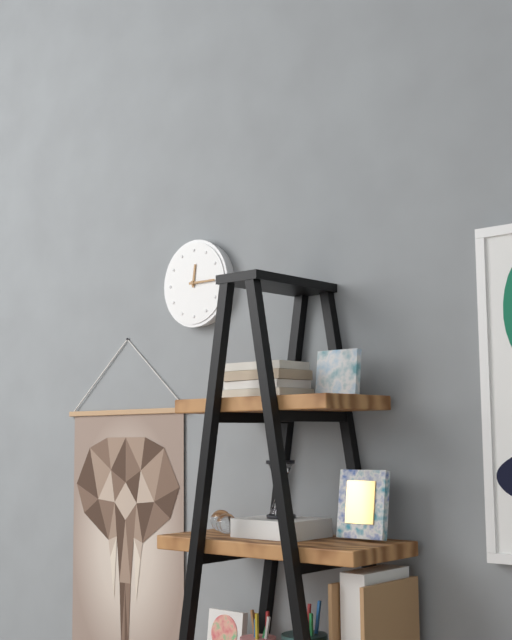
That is 12 h 15 min
